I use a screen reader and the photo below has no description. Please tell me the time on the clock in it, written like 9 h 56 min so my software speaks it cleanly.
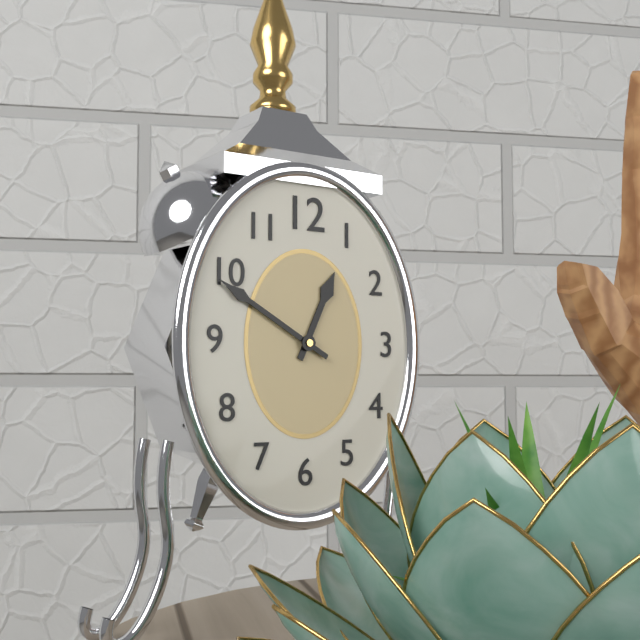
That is 12 h 50 min
